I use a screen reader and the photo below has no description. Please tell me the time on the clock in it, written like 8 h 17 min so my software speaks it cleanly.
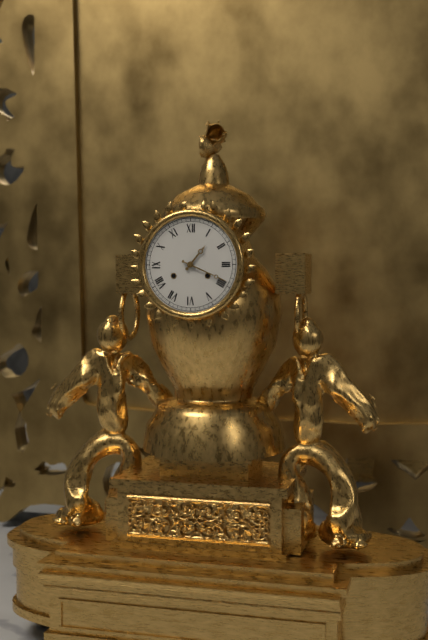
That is 1 h 19 min
